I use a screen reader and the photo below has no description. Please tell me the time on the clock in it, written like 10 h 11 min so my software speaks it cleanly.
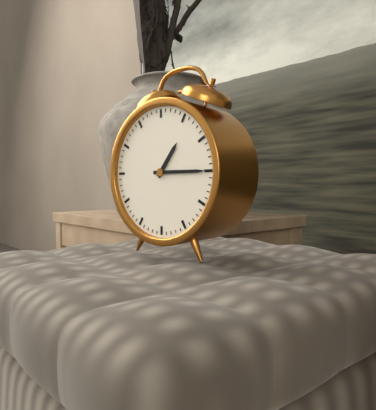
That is 1 h 15 min
